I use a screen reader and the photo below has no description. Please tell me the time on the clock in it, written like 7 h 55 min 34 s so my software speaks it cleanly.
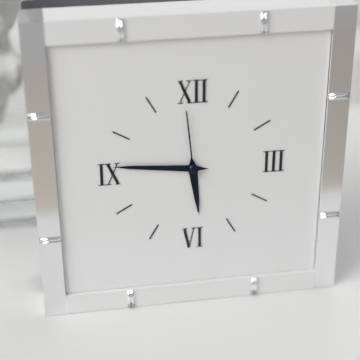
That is 5 h 46 min 59 s
